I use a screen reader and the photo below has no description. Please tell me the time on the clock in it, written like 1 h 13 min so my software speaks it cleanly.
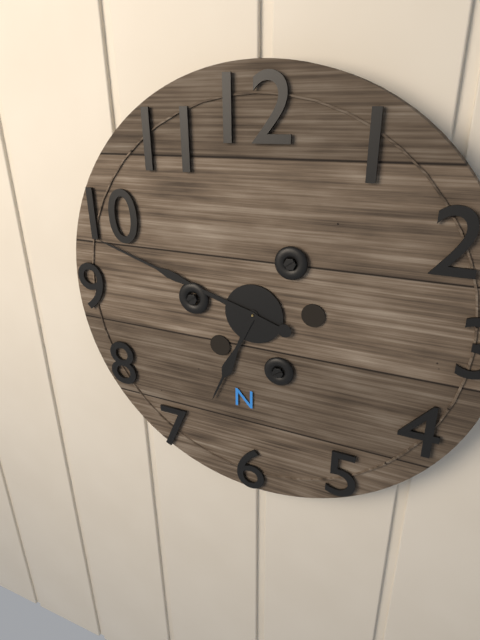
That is 6 h 48 min
